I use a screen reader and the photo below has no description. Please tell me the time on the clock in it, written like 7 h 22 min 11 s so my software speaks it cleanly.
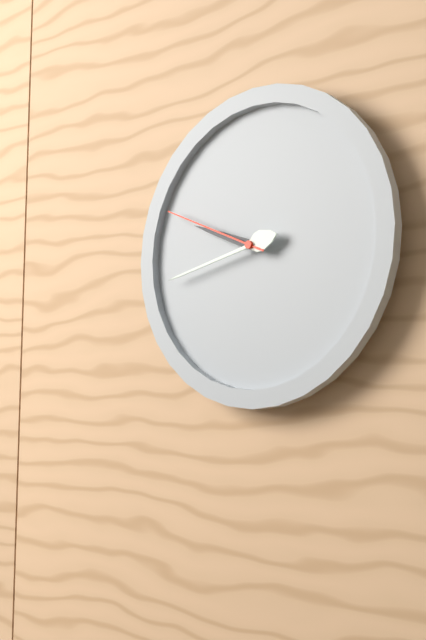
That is 9 h 43 min 49 s
